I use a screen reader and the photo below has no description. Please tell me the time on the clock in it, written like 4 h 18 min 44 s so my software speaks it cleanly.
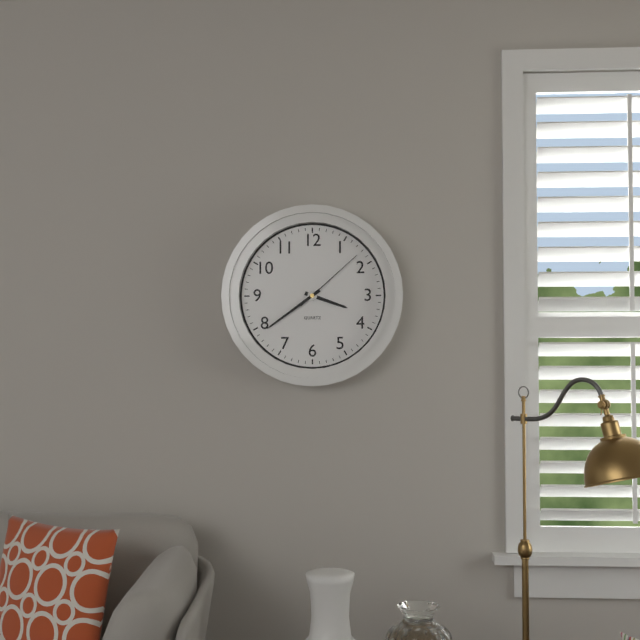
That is 3 h 39 min 08 s
